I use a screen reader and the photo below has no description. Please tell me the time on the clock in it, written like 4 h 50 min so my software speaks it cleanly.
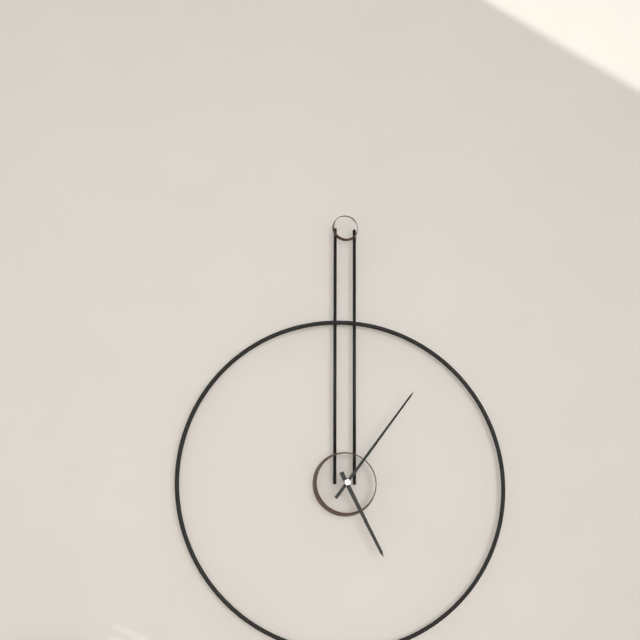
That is 5 h 06 min
